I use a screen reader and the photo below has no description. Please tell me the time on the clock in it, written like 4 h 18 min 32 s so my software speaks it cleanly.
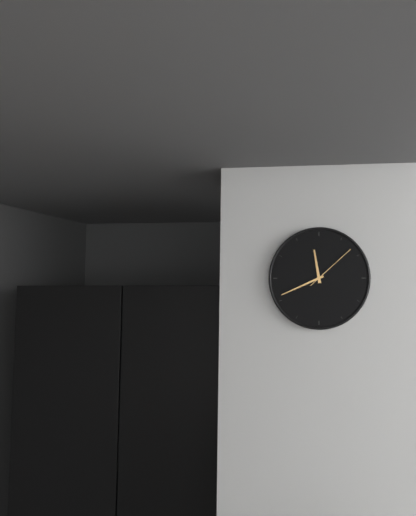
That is 11 h 41 min 08 s
